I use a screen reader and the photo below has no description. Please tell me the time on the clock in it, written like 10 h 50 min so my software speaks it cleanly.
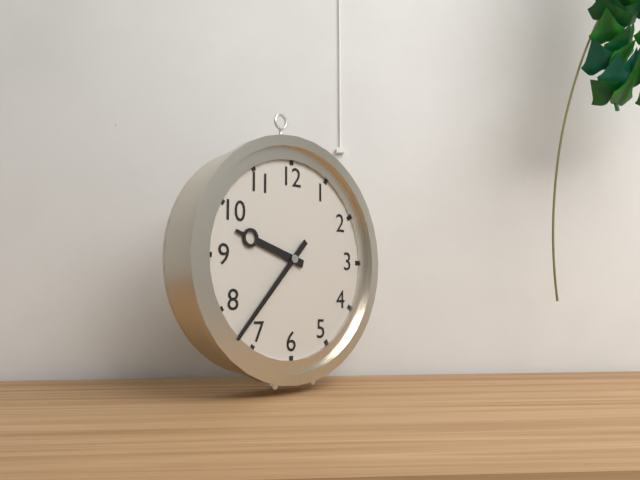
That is 9 h 37 min
